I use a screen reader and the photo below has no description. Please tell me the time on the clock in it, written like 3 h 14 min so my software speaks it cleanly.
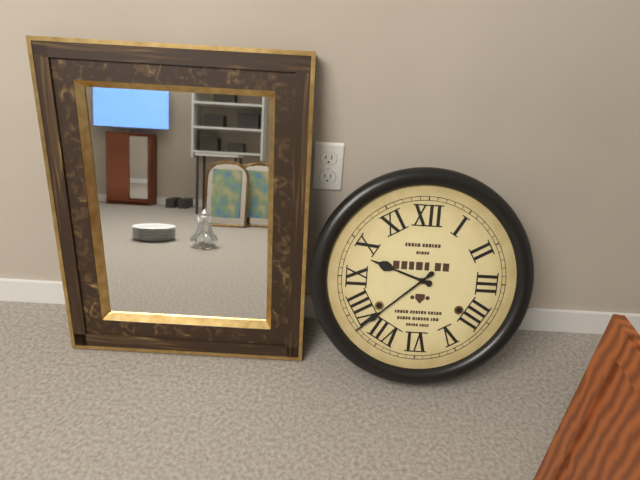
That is 9 h 38 min
